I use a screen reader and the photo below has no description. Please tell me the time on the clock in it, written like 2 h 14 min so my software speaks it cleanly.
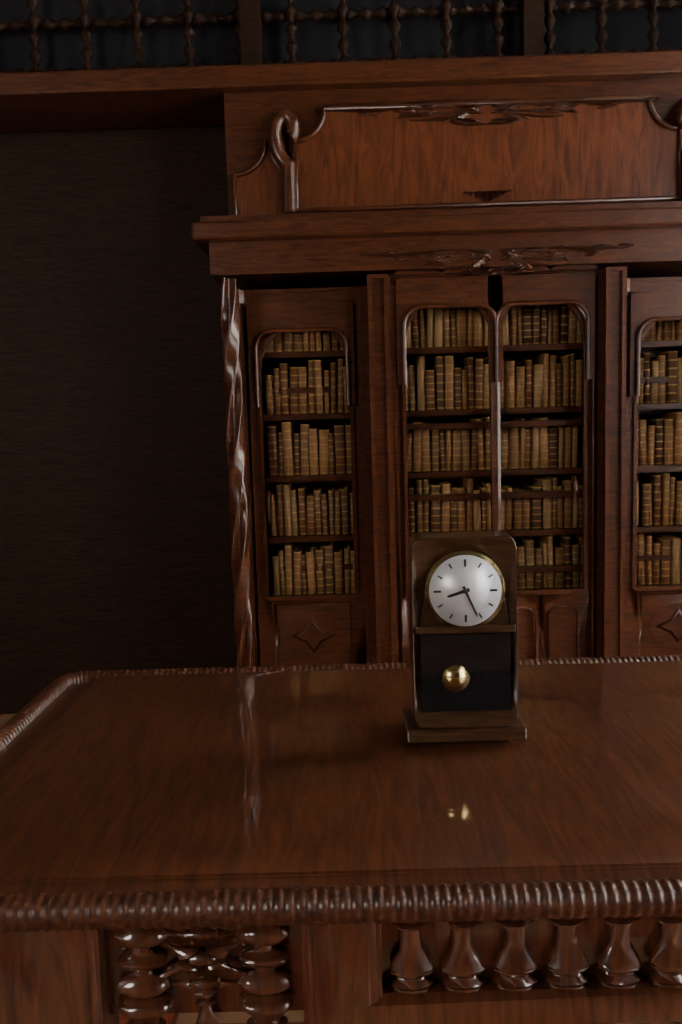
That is 8 h 26 min
